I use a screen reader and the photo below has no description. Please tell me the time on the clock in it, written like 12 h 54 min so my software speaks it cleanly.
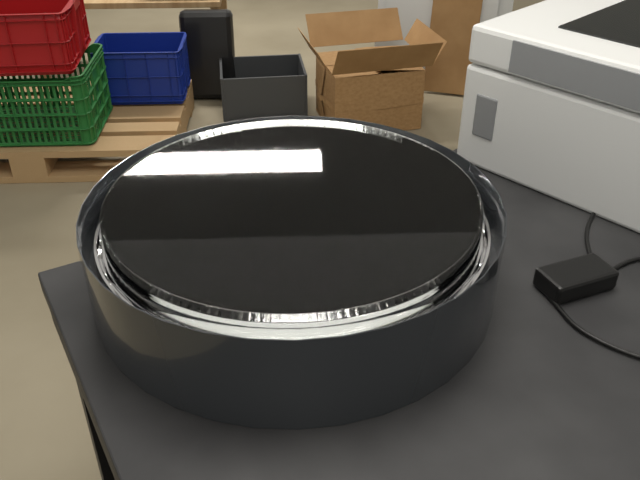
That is 9 h 29 min
